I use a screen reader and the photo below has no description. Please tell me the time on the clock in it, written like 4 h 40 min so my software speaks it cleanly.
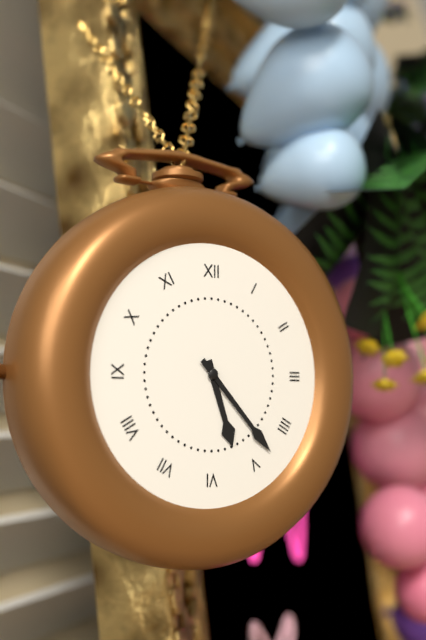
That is 5 h 23 min
